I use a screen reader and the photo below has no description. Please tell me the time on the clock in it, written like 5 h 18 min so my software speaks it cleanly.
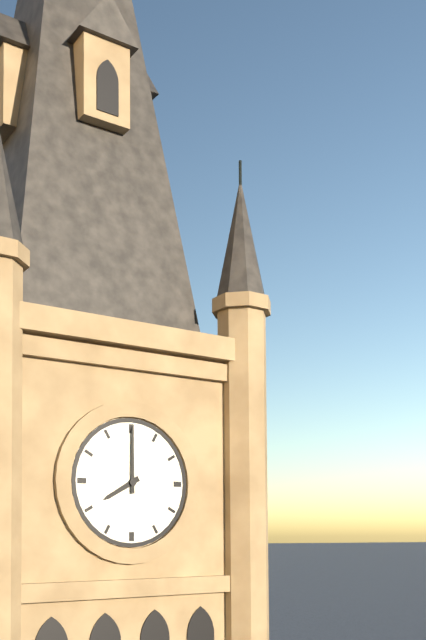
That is 8 h 00 min
